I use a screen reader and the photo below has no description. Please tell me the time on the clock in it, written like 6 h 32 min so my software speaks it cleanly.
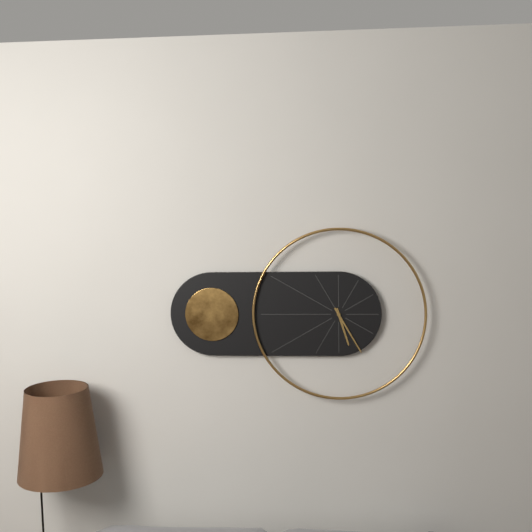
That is 5 h 25 min
